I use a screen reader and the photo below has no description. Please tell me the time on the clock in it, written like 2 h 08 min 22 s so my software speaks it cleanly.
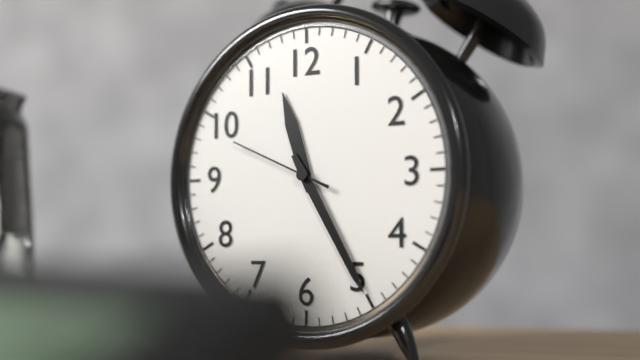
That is 11 h 25 min 49 s
